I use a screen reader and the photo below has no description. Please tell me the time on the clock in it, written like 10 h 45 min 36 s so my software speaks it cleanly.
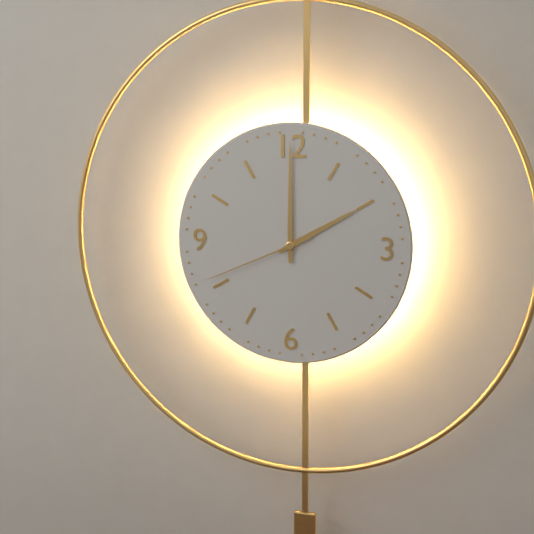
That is 2 h 00 min 41 s
